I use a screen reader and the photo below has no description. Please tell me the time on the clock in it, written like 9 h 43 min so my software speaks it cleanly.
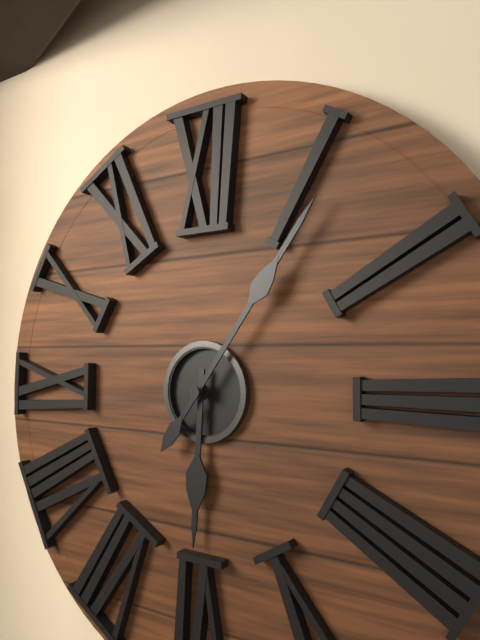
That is 6 h 06 min
